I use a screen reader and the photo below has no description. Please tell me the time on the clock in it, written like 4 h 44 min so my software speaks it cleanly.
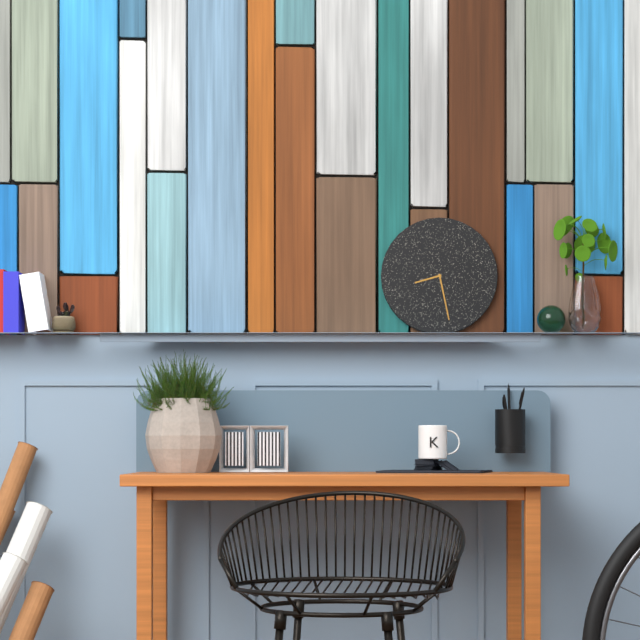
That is 8 h 28 min
